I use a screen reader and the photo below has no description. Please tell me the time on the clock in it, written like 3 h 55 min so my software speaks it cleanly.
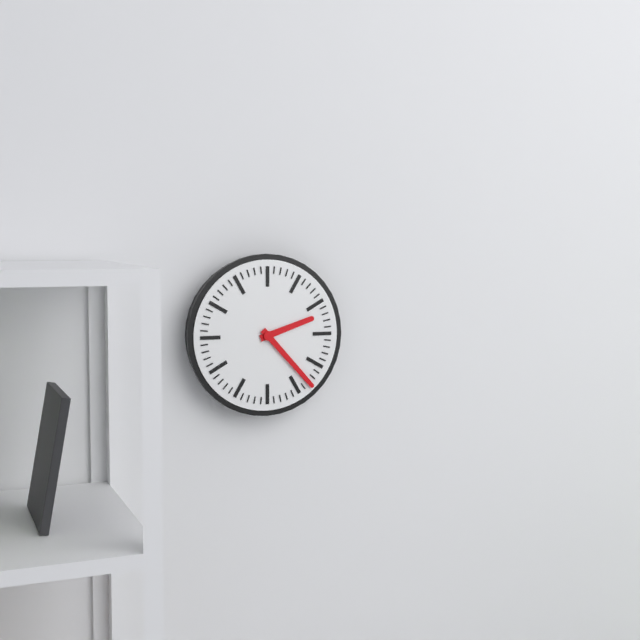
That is 2 h 23 min
